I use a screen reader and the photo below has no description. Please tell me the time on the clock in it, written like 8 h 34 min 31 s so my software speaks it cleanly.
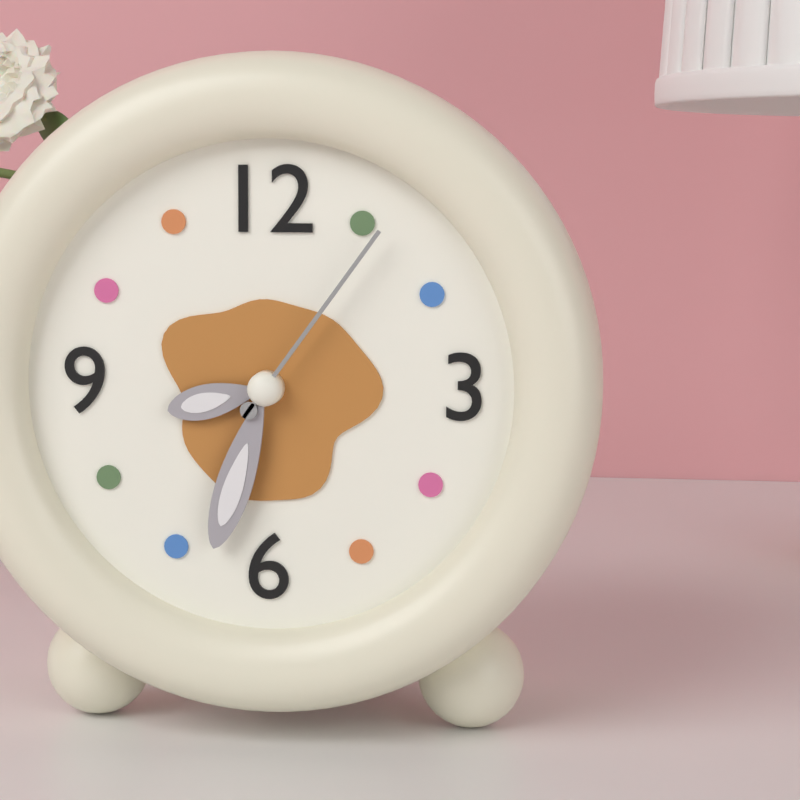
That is 8 h 33 min 06 s
